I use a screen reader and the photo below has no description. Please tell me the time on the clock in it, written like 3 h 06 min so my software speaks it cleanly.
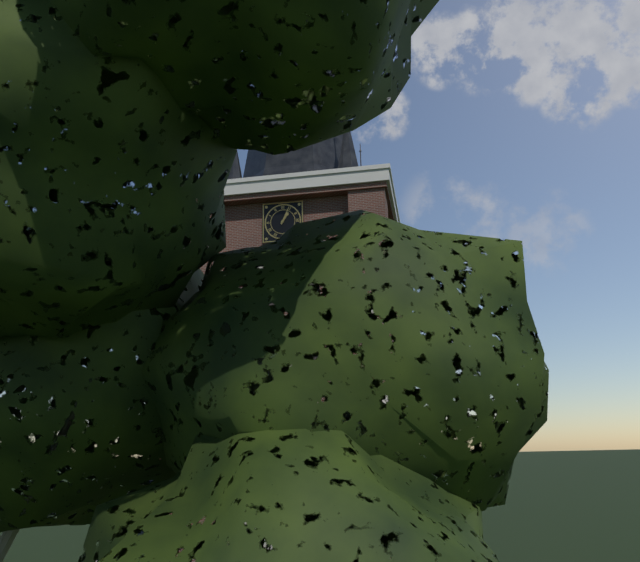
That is 1 h 04 min
